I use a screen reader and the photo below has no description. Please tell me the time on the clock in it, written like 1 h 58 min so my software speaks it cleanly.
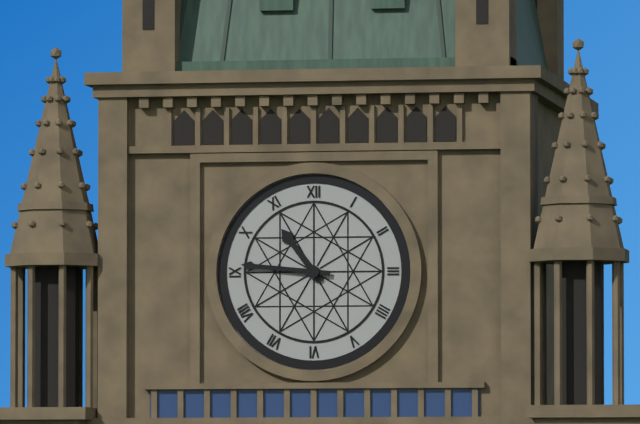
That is 10 h 46 min
